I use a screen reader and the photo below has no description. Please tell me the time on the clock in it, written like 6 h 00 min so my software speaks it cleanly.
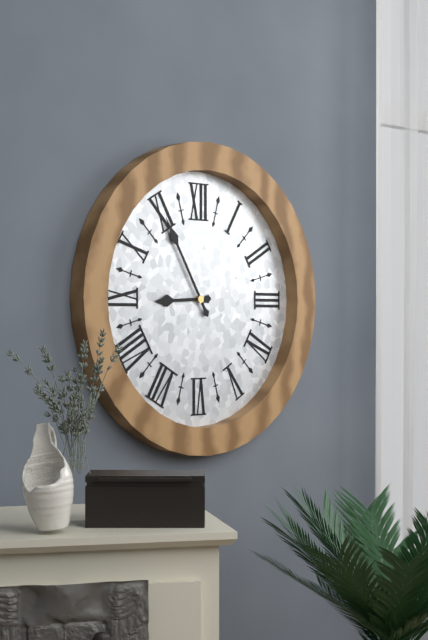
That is 8 h 55 min
